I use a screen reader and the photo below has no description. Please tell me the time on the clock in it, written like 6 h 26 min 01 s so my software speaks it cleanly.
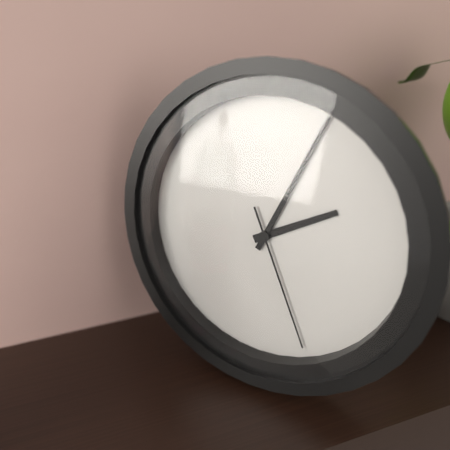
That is 2 h 04 min 26 s
